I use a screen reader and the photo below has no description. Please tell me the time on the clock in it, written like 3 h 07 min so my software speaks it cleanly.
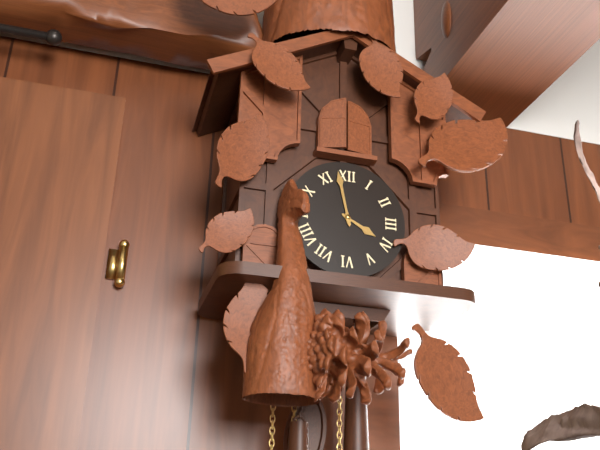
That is 3 h 58 min
